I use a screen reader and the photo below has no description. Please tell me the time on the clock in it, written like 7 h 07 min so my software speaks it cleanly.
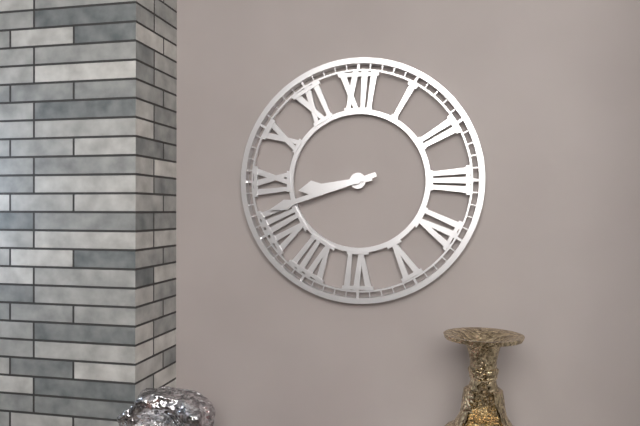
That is 8 h 42 min
